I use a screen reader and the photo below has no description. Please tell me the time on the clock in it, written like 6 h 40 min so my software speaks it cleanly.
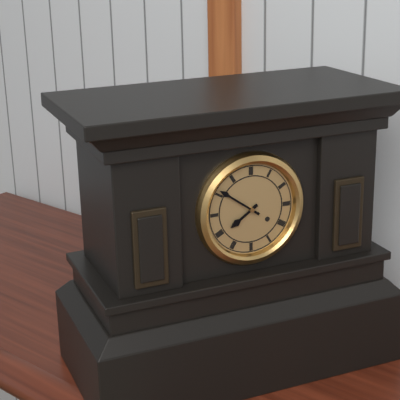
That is 7 h 51 min
